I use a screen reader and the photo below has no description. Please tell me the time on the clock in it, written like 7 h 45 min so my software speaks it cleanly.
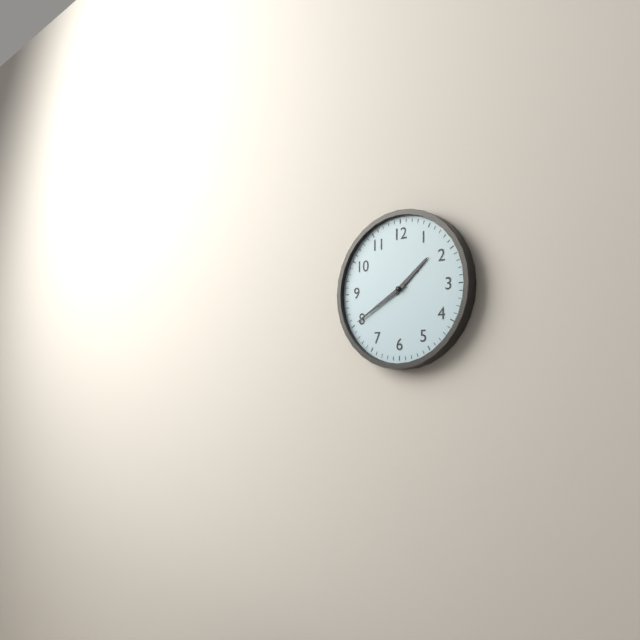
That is 1 h 40 min
